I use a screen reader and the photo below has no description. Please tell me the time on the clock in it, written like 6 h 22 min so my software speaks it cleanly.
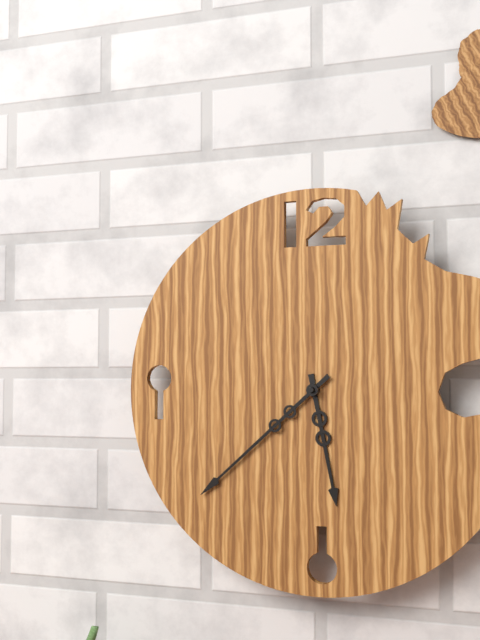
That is 5 h 38 min
